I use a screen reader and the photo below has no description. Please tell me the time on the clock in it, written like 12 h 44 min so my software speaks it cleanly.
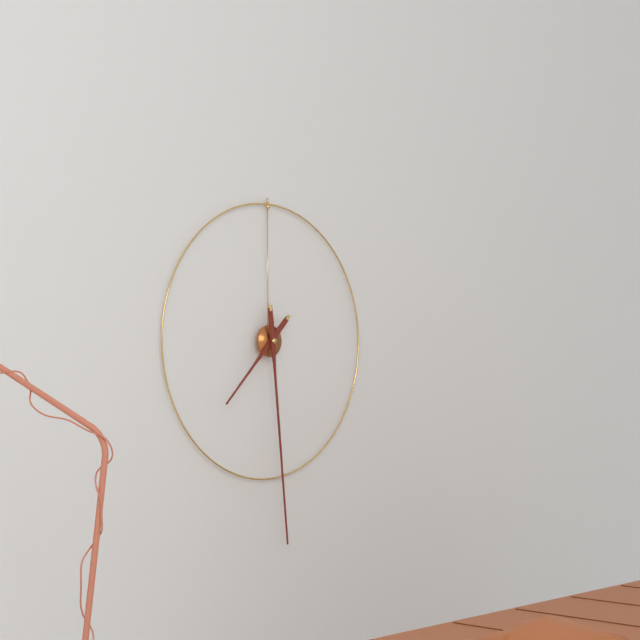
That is 7 h 29 min
